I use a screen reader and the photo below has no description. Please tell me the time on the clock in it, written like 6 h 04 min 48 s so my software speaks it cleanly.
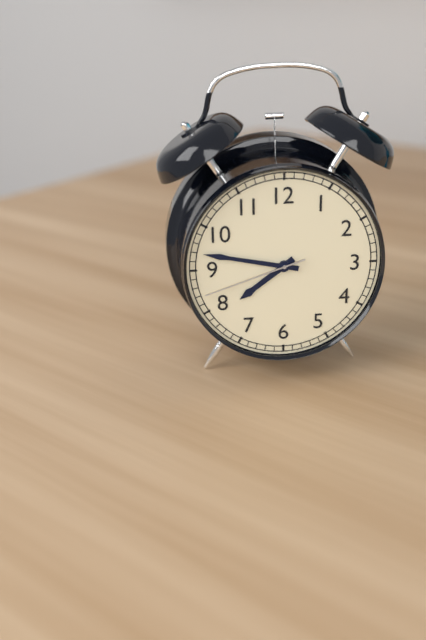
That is 7 h 47 min 42 s
